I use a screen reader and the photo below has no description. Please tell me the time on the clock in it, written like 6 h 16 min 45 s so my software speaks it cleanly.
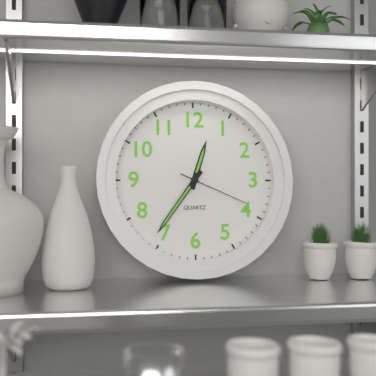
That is 12 h 36 min 19 s
